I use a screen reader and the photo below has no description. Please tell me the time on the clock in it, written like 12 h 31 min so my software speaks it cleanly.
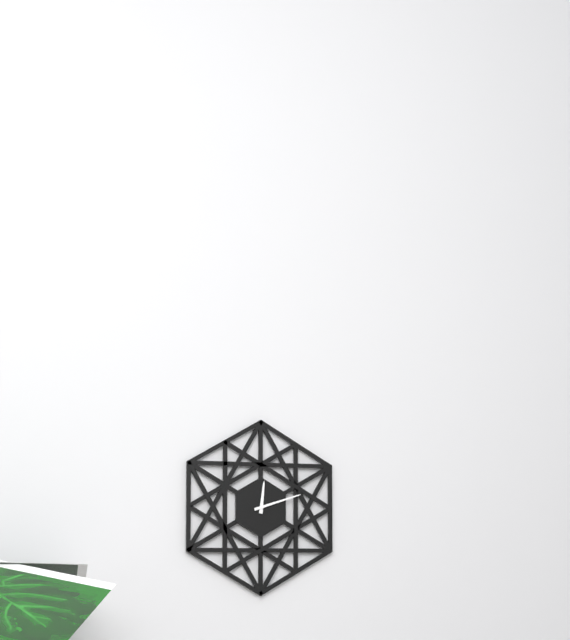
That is 12 h 12 min
